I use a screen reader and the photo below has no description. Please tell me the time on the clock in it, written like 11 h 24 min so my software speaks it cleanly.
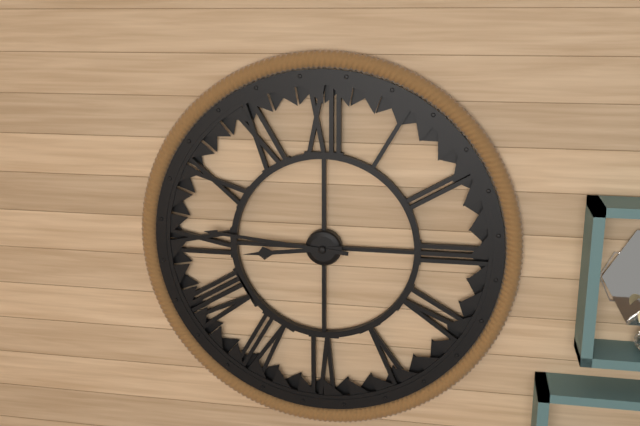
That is 8 h 46 min
